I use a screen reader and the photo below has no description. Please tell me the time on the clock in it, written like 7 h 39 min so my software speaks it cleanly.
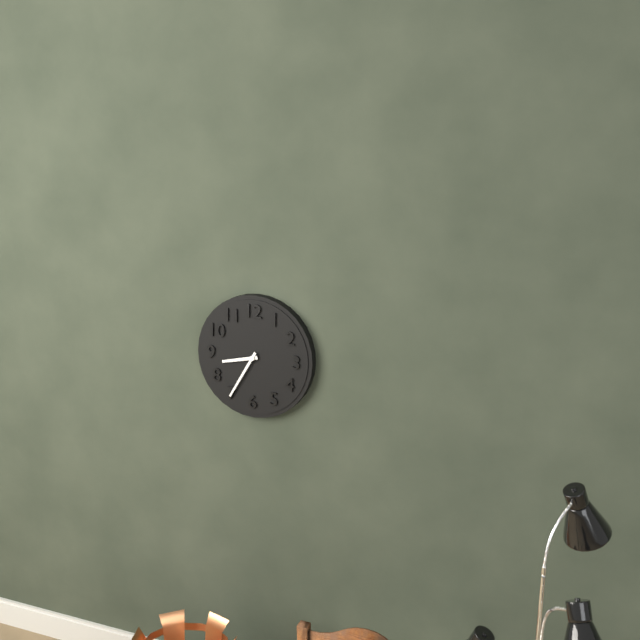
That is 8 h 35 min
